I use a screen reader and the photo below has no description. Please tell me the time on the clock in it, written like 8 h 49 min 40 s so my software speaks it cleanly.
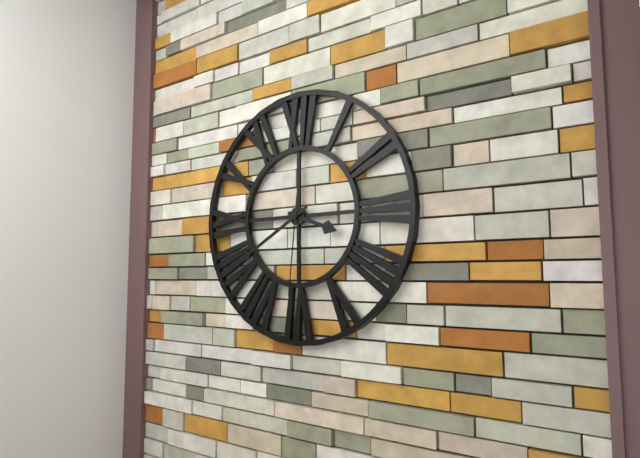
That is 3 h 40 min 31 s
